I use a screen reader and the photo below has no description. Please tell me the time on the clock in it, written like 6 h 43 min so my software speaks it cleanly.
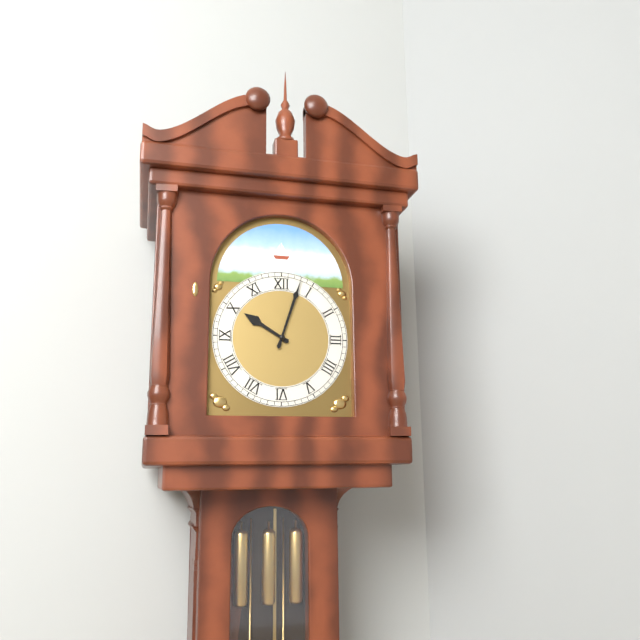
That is 10 h 03 min
